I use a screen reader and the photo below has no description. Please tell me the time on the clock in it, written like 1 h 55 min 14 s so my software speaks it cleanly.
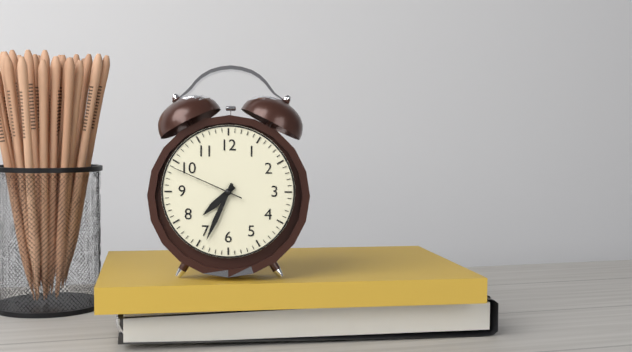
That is 7 h 34 min 49 s
